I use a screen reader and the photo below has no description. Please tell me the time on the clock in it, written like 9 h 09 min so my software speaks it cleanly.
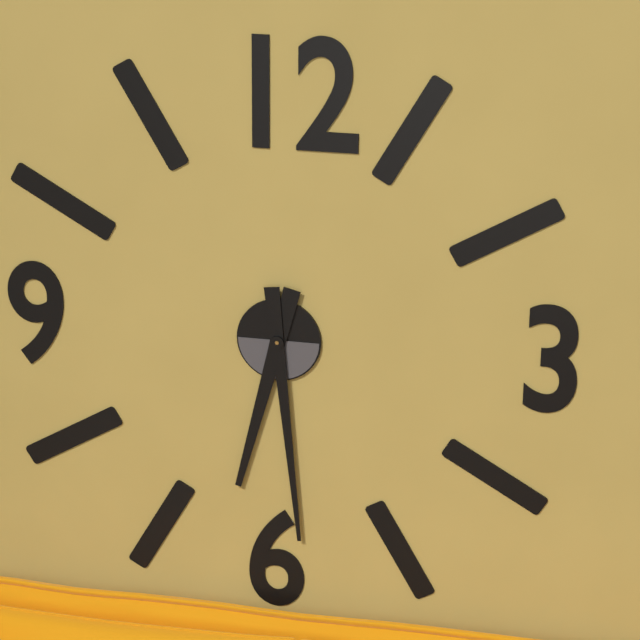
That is 6 h 29 min
